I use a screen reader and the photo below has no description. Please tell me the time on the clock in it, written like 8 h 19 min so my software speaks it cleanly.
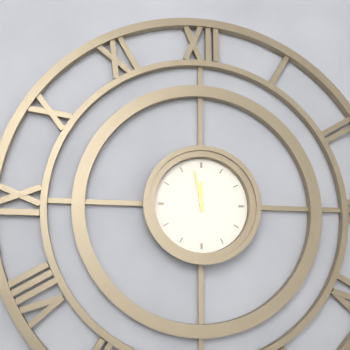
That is 11 h 58 min
